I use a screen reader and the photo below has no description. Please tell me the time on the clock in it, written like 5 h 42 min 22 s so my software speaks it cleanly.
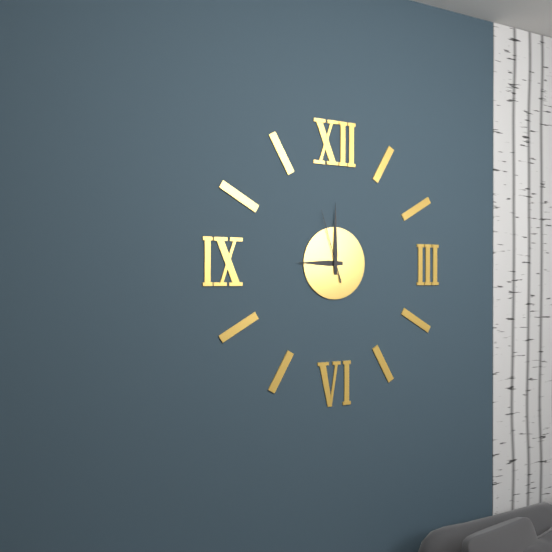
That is 9 h 00 min 57 s
